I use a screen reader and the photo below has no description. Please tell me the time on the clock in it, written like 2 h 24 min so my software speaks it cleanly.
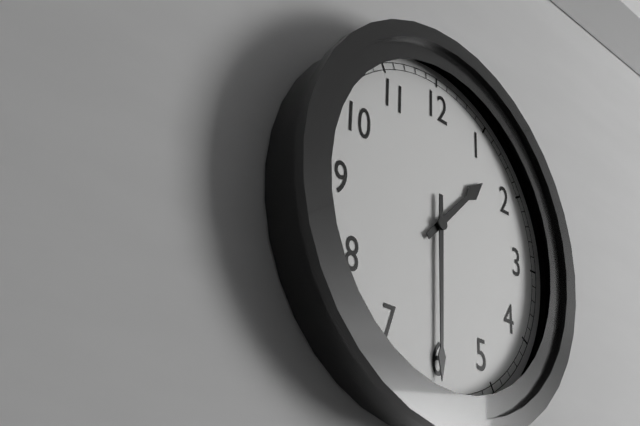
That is 1 h 30 min
